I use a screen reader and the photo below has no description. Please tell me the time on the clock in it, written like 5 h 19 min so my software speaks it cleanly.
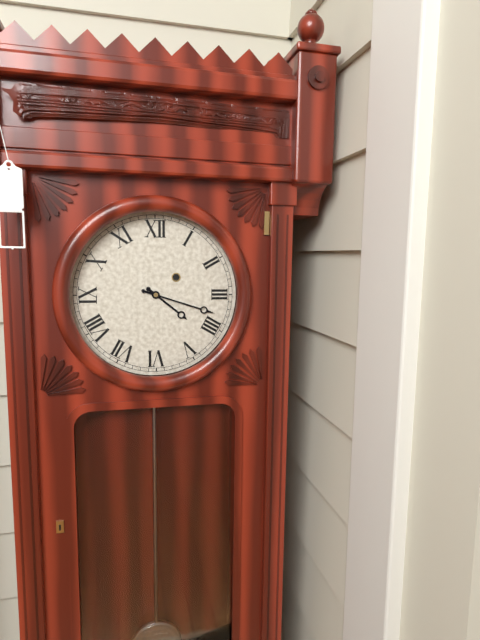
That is 4 h 18 min
